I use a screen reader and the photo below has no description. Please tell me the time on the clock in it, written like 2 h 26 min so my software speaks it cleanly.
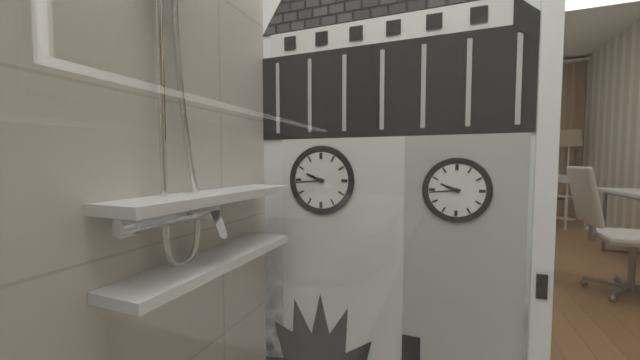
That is 9 h 44 min
